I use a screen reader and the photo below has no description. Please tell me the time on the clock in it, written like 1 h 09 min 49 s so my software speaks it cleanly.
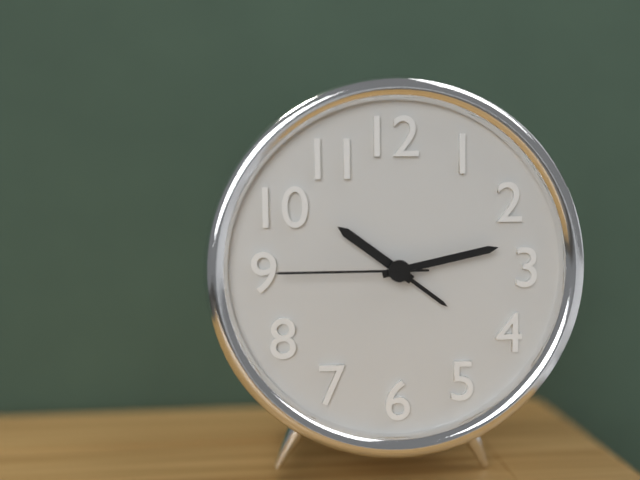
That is 10 h 13 min 45 s
